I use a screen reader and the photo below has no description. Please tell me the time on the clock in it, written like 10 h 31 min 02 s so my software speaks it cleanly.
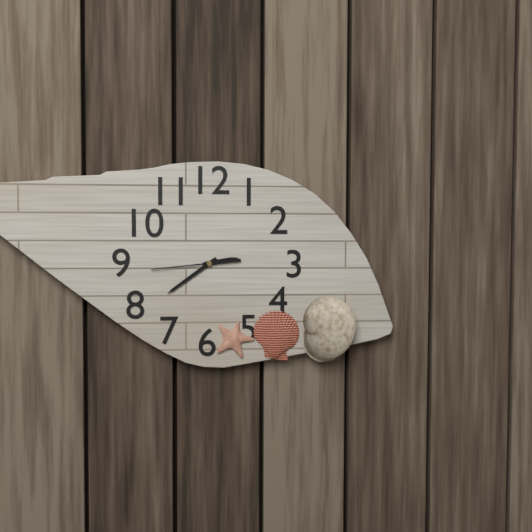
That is 2 h 39 min 44 s
